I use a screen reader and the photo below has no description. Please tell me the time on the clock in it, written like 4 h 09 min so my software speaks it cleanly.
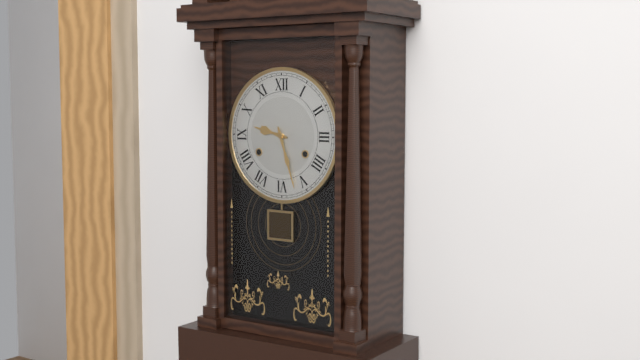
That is 9 h 27 min
